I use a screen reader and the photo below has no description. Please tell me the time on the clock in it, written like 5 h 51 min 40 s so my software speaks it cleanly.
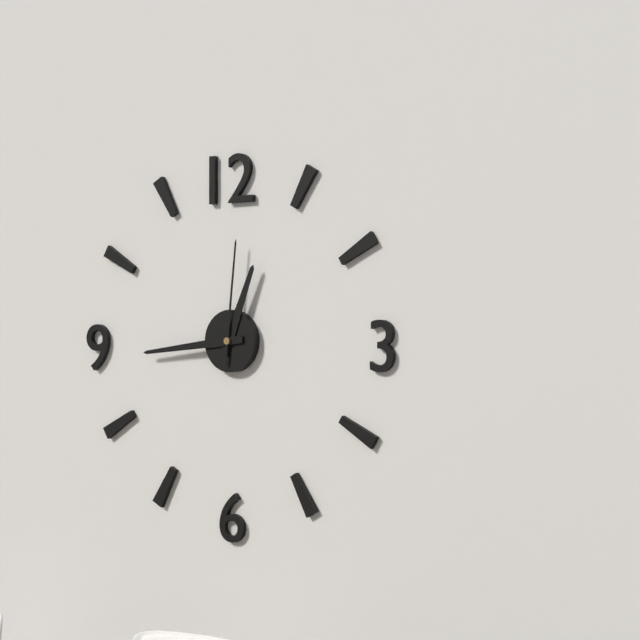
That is 12 h 44 min 01 s
